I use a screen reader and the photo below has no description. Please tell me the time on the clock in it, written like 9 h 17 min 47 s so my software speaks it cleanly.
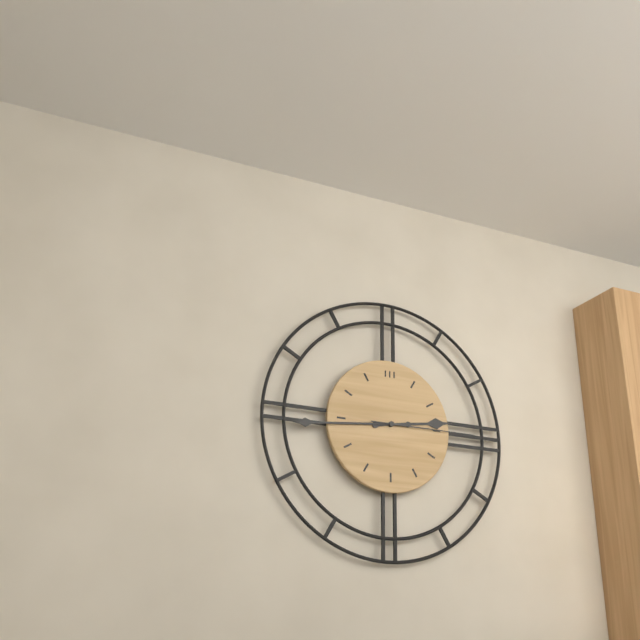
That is 2 h 44 min 15 s
